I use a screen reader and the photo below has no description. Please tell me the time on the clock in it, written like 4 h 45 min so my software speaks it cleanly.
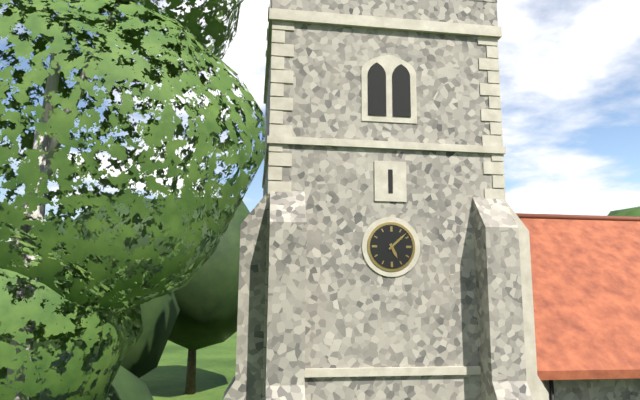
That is 5 h 08 min
